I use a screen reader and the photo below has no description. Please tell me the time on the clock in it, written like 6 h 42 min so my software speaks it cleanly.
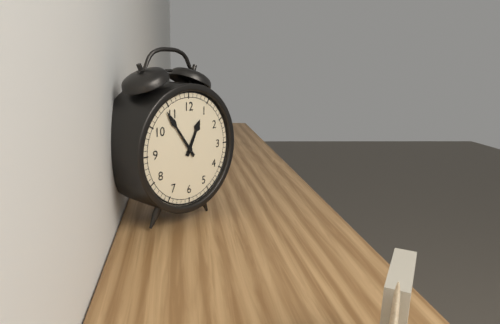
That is 12 h 54 min
